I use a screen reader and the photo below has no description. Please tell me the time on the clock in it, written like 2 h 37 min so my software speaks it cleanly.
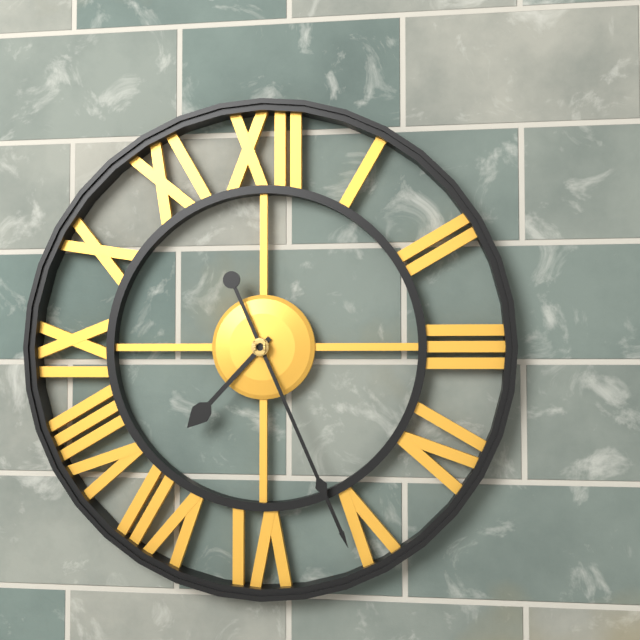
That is 7 h 26 min
